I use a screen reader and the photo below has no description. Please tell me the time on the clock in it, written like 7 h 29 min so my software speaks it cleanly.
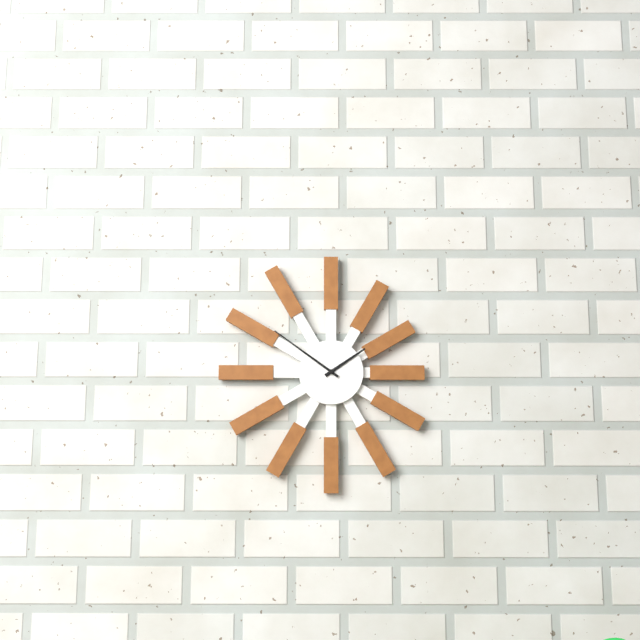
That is 1 h 51 min
